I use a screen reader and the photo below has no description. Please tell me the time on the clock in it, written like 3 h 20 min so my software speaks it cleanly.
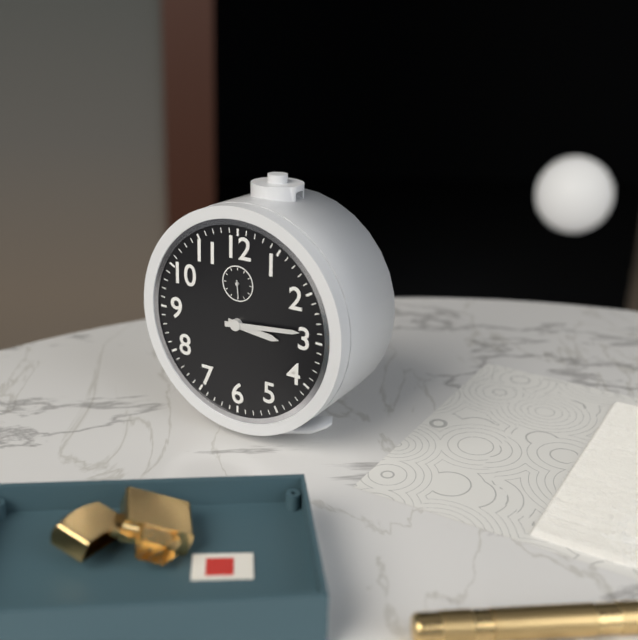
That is 3 h 14 min
